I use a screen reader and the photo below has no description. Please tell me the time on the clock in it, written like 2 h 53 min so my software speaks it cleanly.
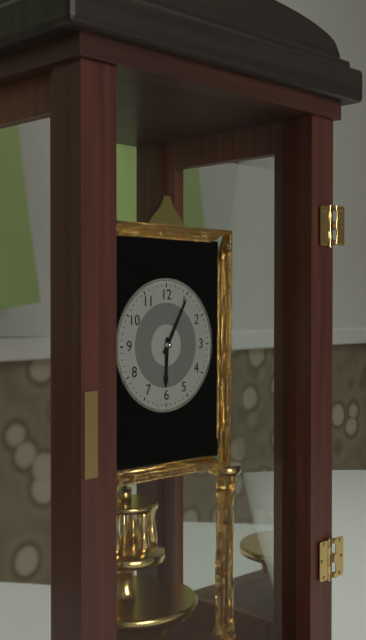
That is 6 h 05 min
